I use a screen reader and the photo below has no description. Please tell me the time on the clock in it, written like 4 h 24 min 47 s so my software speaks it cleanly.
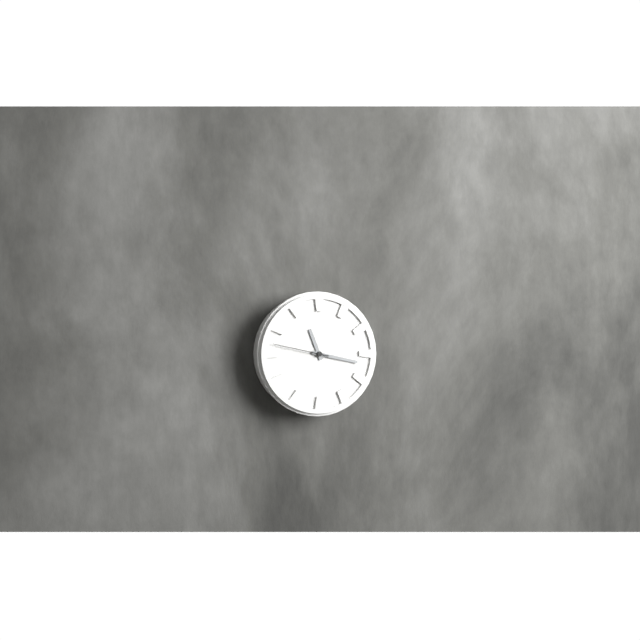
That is 11 h 17 min 47 s
